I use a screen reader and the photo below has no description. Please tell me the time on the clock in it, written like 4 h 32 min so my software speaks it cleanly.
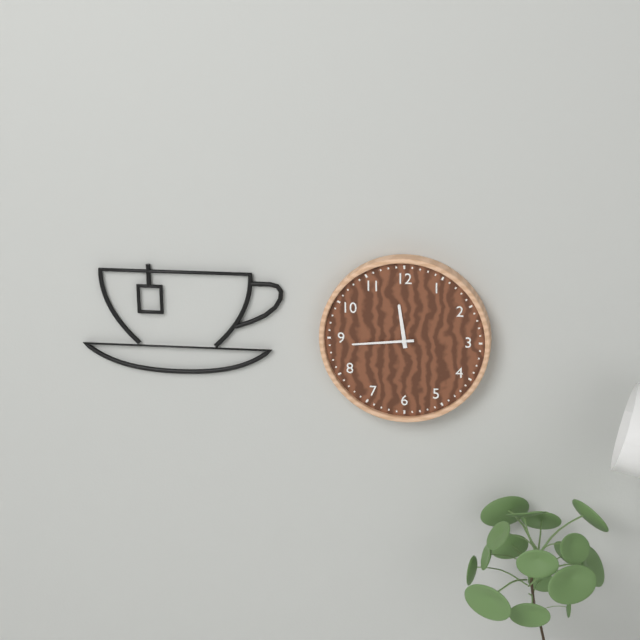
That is 11 h 44 min
